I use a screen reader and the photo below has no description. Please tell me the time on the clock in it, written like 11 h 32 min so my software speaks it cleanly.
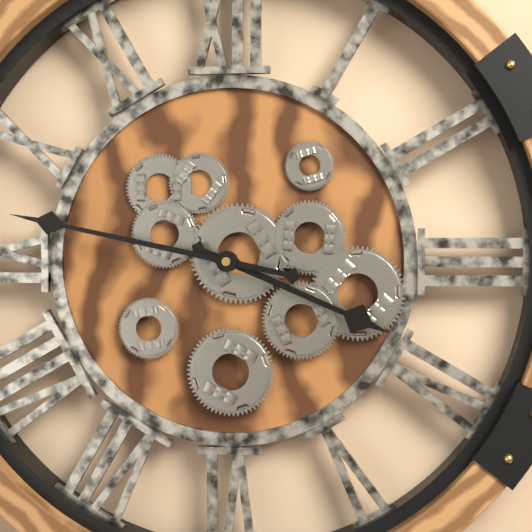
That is 3 h 47 min
